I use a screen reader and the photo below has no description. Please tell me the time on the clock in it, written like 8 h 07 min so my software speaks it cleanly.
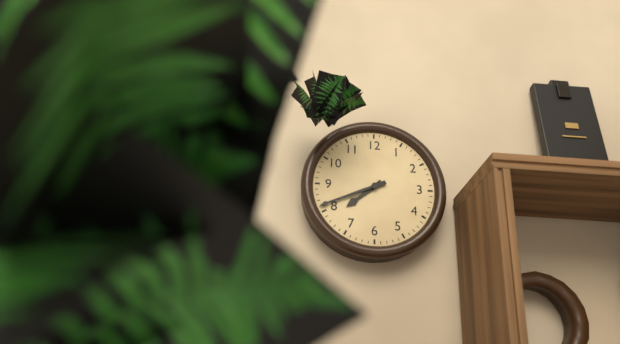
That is 7 h 41 min
